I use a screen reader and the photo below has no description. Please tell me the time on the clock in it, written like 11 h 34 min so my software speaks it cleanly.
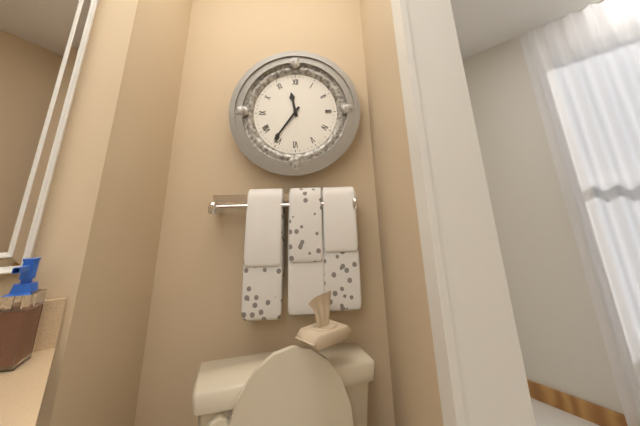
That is 11 h 36 min
